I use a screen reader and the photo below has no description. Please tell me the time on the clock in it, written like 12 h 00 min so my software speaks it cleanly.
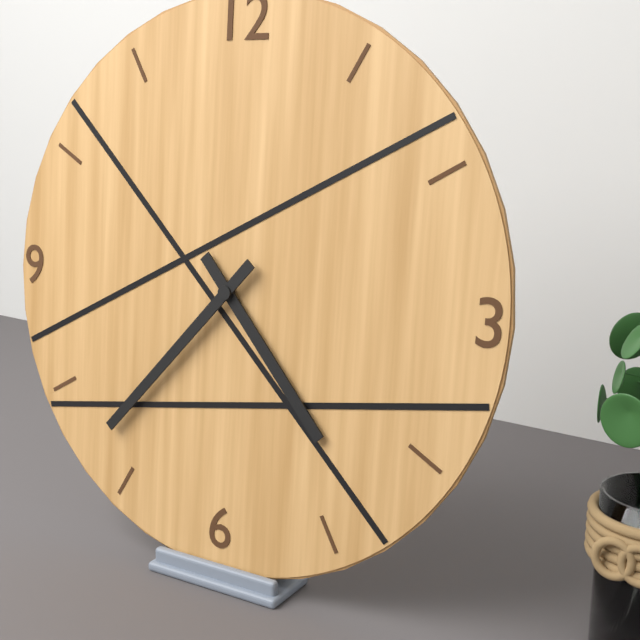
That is 4 h 37 min
